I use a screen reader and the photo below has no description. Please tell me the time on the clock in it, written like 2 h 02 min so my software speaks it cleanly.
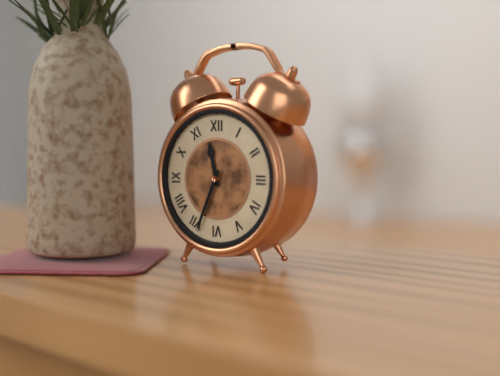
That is 11 h 34 min
